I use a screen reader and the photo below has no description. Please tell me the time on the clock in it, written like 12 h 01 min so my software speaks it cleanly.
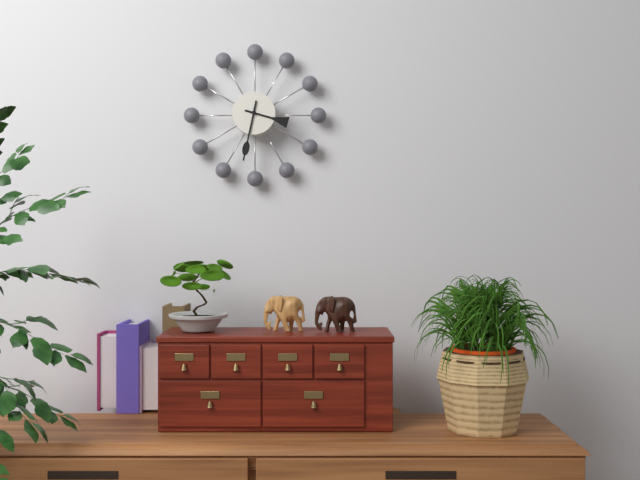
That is 3 h 32 min
